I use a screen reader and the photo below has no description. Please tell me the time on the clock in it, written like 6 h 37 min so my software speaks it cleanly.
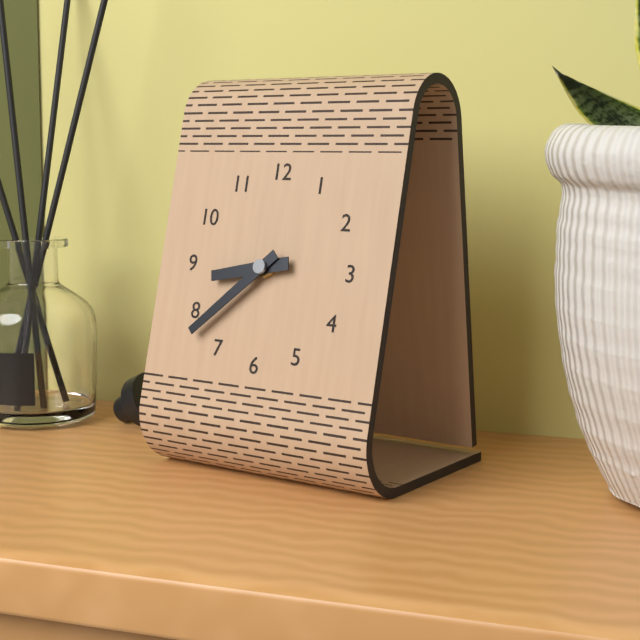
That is 8 h 38 min
